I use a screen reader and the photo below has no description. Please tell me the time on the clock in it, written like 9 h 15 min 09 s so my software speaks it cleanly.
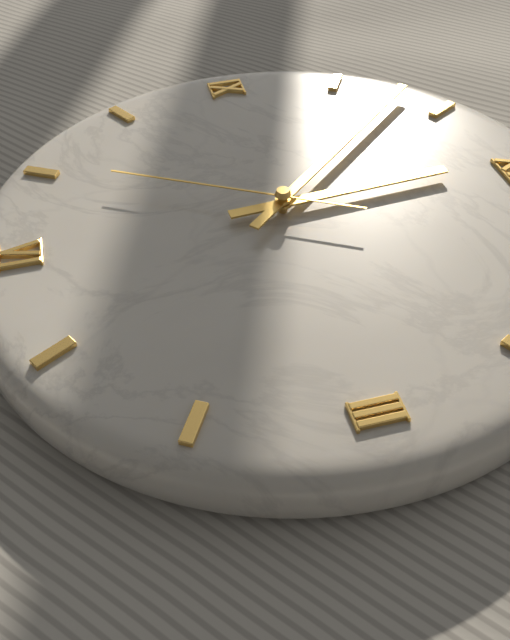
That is 11 h 53 min 35 s
